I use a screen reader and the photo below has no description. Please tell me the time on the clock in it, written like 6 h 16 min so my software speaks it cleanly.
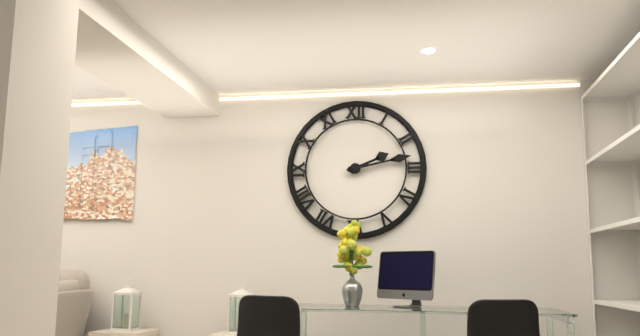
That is 2 h 13 min
